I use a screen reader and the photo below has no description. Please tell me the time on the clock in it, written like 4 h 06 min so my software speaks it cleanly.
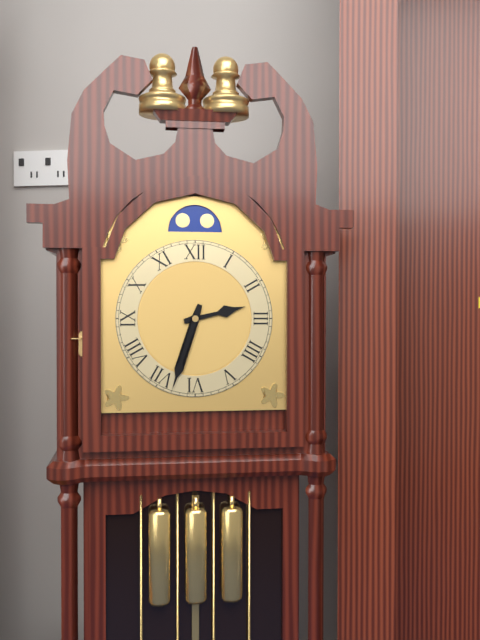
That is 2 h 33 min
